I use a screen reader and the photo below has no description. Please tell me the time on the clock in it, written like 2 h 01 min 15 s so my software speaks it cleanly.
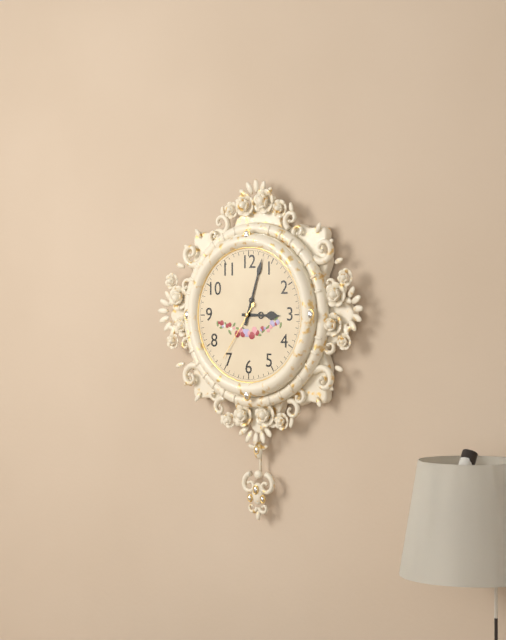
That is 3 h 03 min 36 s
